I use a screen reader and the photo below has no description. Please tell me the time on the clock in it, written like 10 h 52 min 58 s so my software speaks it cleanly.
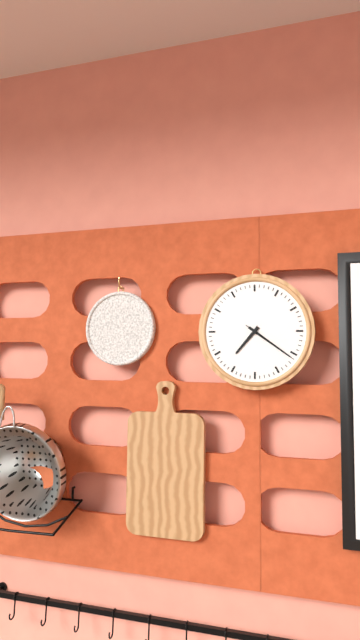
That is 7 h 21 min 21 s
